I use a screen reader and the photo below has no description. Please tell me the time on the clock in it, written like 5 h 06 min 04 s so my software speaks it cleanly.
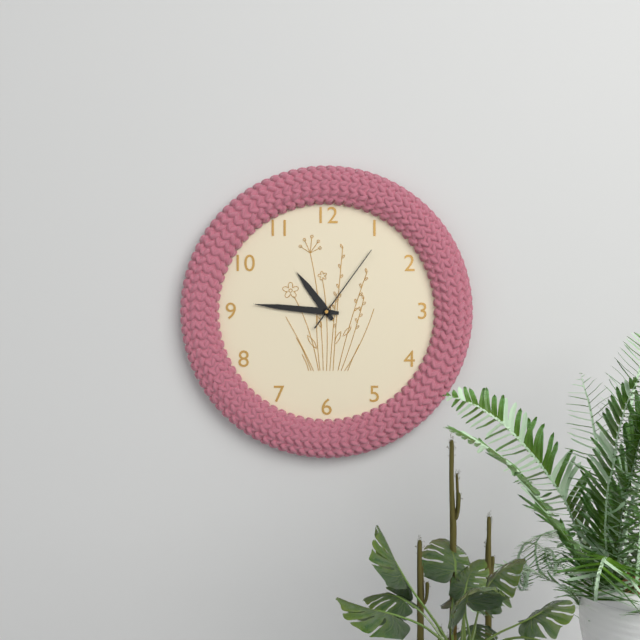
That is 10 h 46 min 06 s
